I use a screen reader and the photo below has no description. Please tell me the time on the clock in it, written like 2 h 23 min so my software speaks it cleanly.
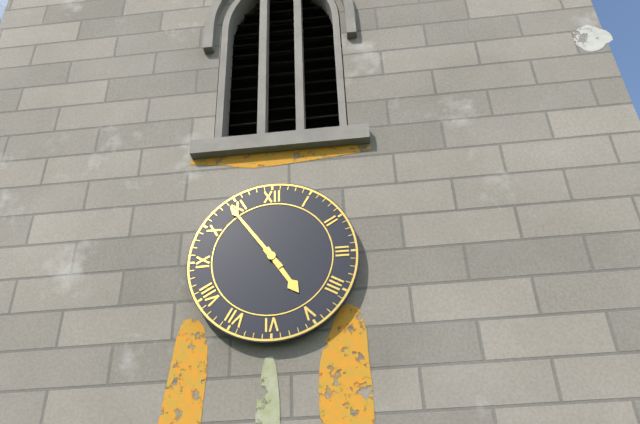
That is 4 h 54 min
